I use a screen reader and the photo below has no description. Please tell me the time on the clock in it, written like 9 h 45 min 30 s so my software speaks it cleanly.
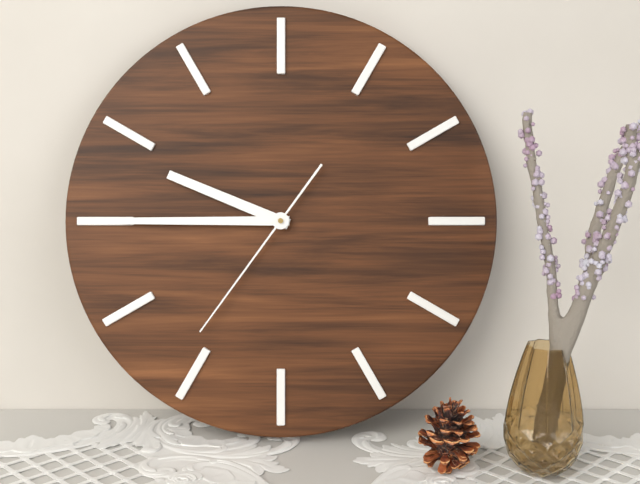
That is 9 h 45 min 36 s
